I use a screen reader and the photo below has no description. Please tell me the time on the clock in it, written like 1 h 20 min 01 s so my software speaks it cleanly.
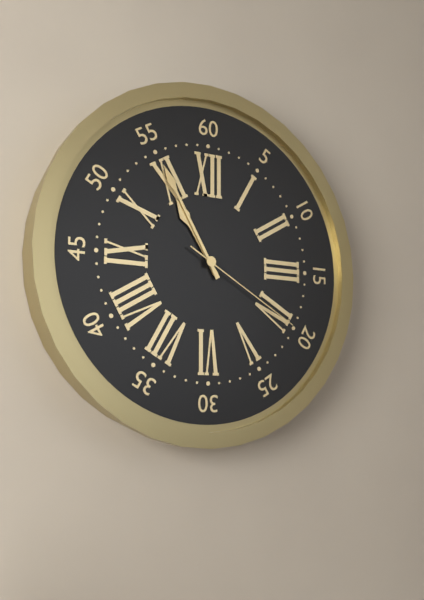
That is 10 h 55 min 20 s
